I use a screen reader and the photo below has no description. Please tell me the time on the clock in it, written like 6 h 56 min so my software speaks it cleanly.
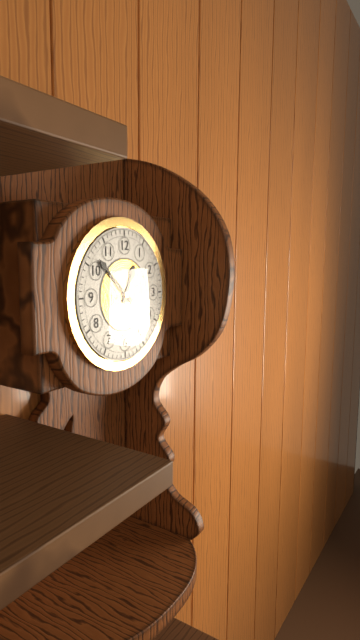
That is 12 h 52 min
